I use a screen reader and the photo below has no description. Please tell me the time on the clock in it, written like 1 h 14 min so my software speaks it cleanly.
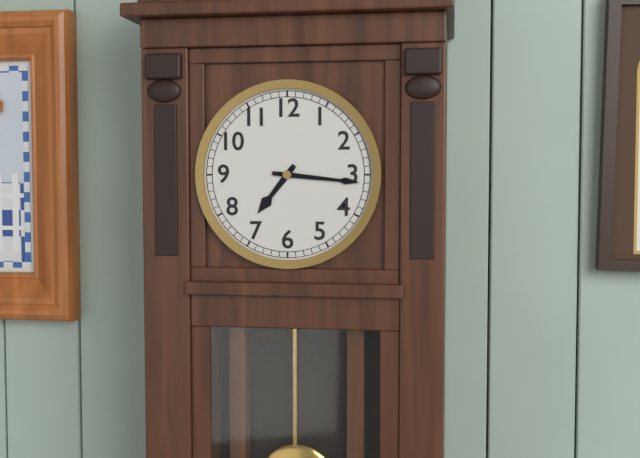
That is 7 h 16 min
